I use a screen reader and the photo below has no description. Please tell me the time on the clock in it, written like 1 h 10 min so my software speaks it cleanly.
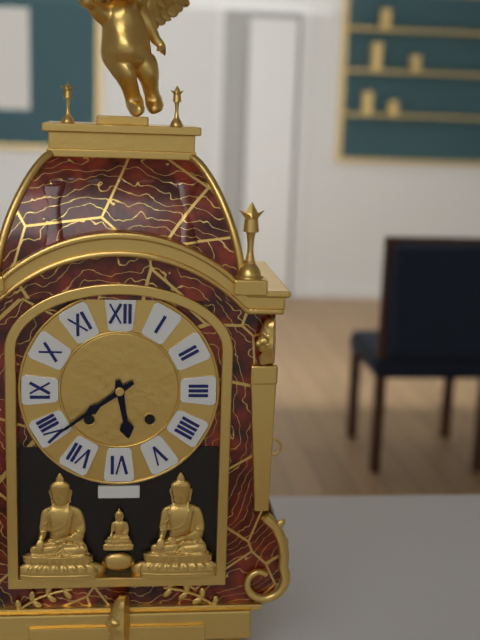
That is 5 h 39 min
